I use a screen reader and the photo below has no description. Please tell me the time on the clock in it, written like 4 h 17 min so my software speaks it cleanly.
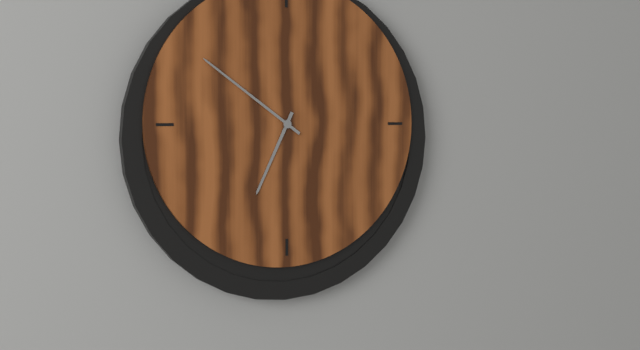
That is 6 h 51 min
